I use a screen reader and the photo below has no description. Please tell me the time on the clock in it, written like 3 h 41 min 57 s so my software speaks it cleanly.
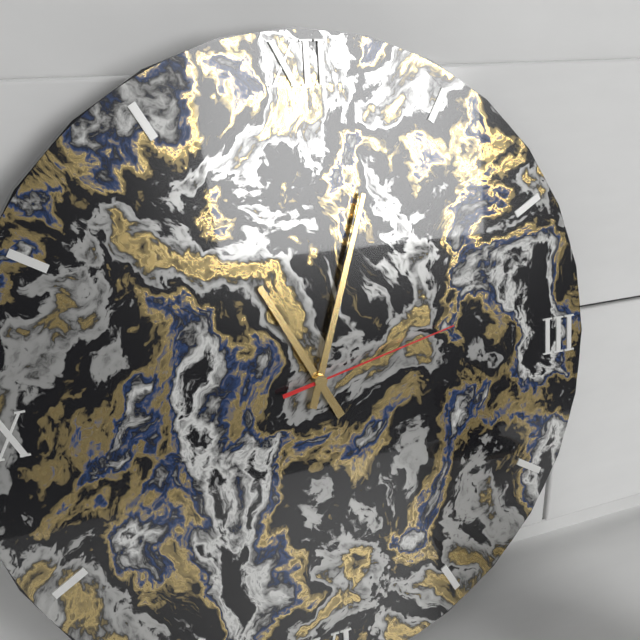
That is 11 h 03 min 13 s
